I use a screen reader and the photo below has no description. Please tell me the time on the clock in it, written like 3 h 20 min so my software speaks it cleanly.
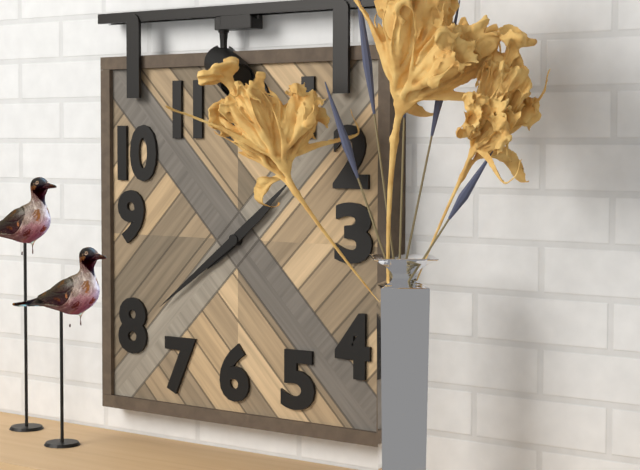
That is 1 h 39 min
